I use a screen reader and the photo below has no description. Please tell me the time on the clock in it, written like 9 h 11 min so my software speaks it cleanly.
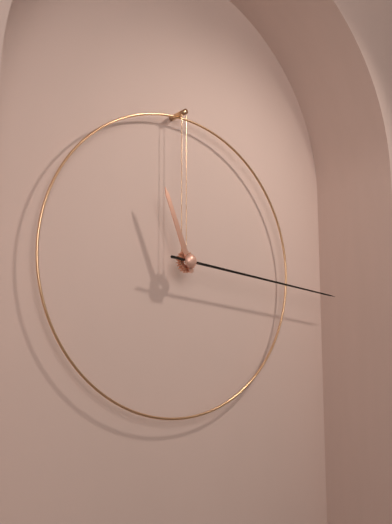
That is 11 h 16 min
